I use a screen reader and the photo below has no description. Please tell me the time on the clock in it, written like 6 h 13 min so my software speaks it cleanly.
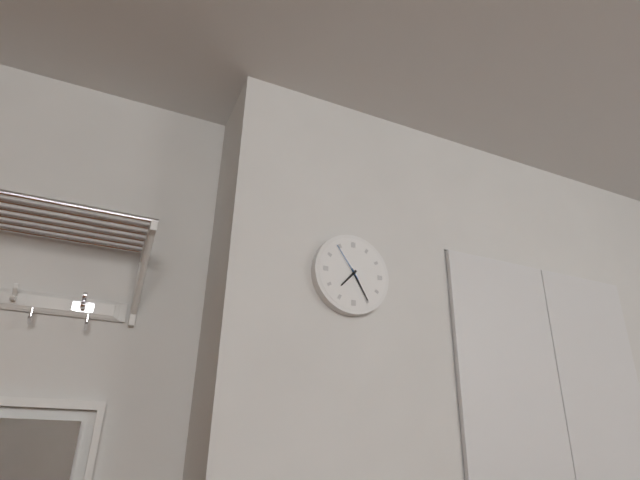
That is 7 h 25 min
